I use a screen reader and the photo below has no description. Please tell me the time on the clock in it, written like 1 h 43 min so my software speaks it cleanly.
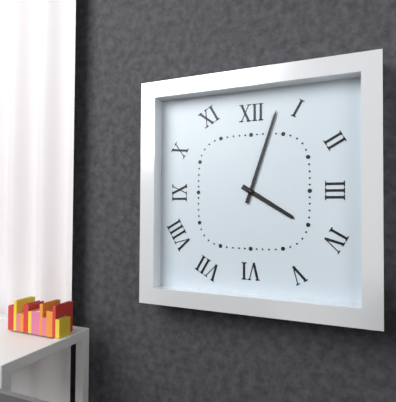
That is 4 h 03 min
